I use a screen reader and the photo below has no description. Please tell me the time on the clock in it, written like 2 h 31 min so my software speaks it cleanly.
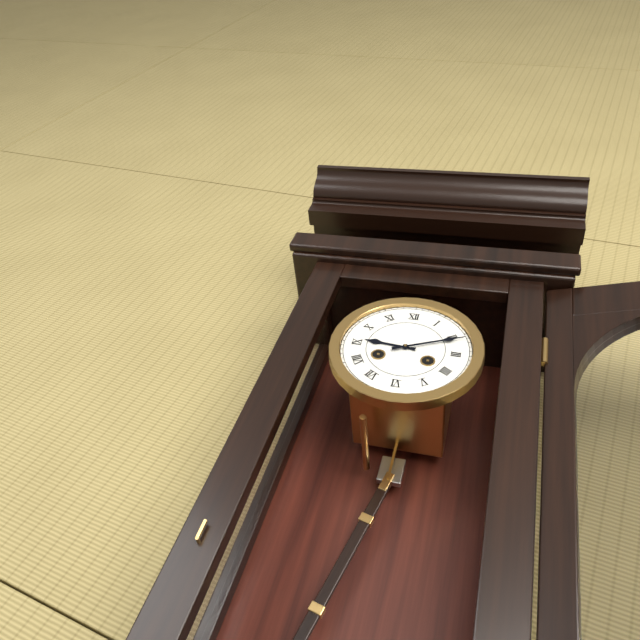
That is 9 h 11 min
